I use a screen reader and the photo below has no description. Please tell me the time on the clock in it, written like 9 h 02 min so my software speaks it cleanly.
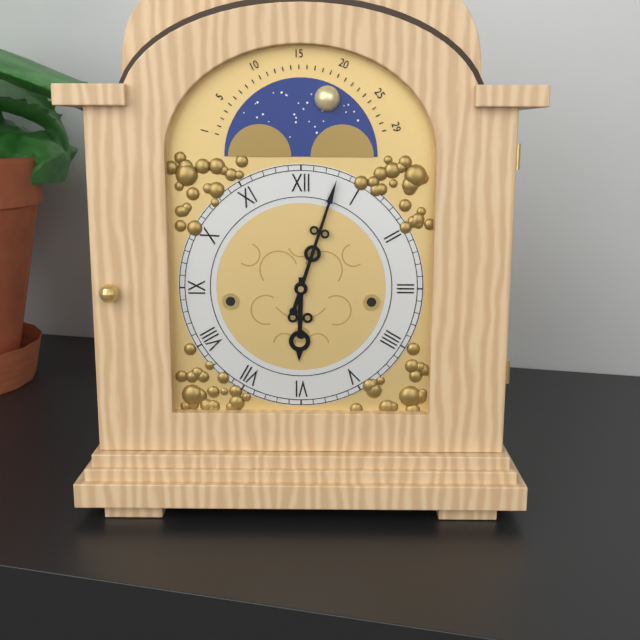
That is 6 h 03 min
